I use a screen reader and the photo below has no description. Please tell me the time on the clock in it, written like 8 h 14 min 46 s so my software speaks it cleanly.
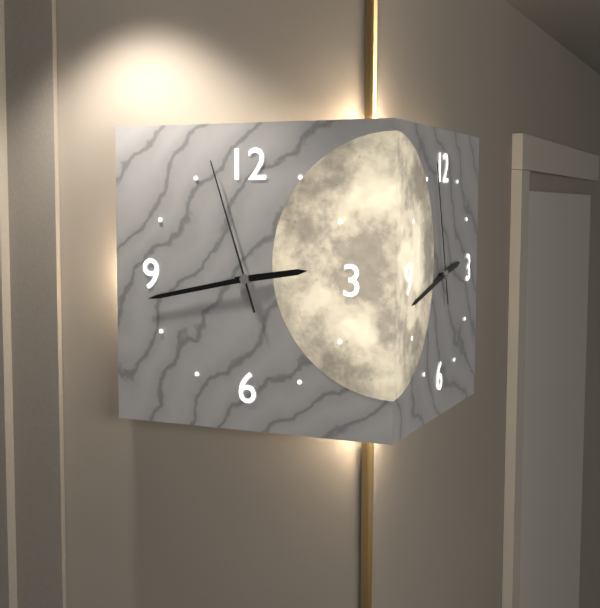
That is 2 h 43 min 57 s
